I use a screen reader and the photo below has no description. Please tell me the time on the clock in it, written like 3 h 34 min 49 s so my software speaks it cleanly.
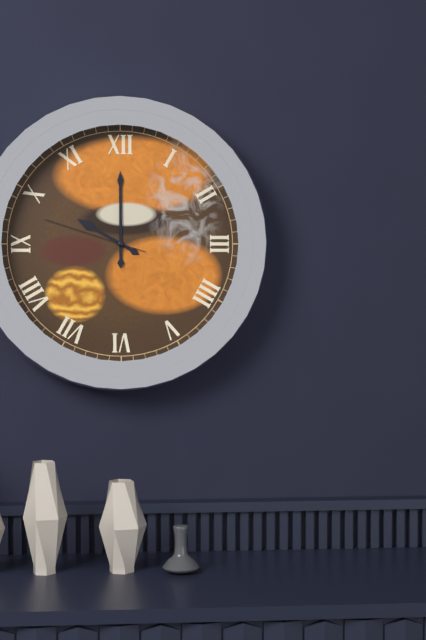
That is 10 h 00 min 48 s
